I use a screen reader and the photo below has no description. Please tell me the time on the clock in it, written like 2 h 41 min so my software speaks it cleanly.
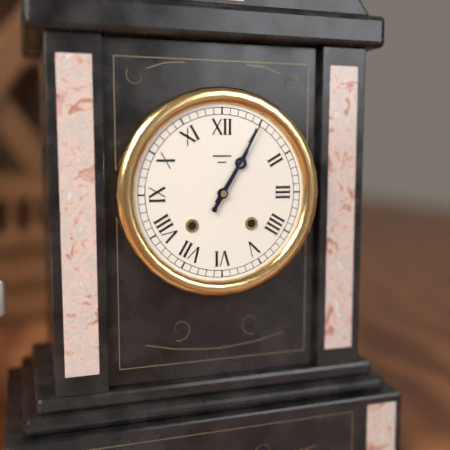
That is 1 h 05 min
